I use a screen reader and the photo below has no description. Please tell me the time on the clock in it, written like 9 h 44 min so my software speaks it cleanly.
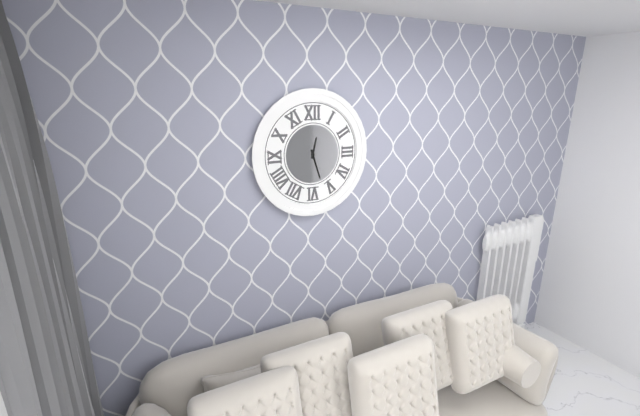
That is 12 h 27 min
